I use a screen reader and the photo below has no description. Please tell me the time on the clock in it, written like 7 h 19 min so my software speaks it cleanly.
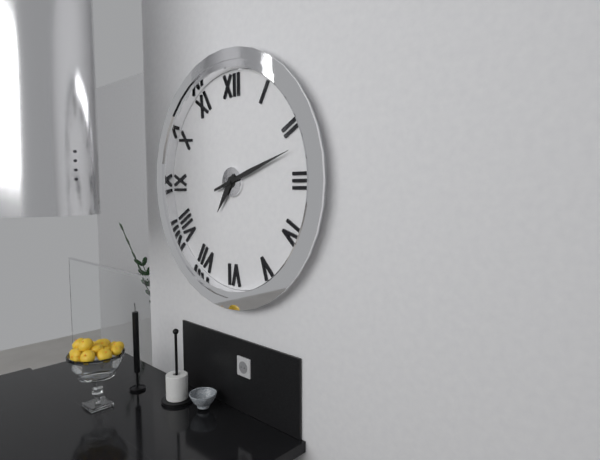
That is 7 h 12 min
